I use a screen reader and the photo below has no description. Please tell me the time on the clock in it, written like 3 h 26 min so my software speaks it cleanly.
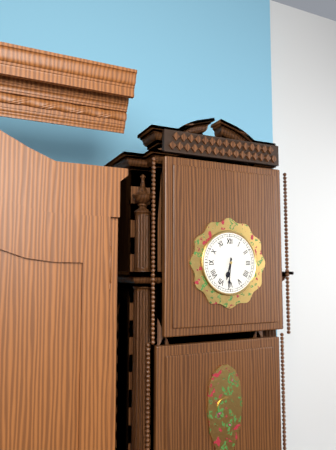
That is 6 h 31 min
